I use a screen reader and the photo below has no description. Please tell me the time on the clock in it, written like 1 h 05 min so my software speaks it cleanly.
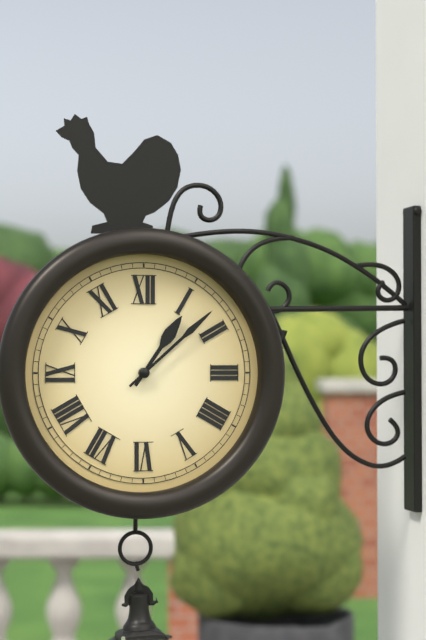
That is 1 h 08 min
